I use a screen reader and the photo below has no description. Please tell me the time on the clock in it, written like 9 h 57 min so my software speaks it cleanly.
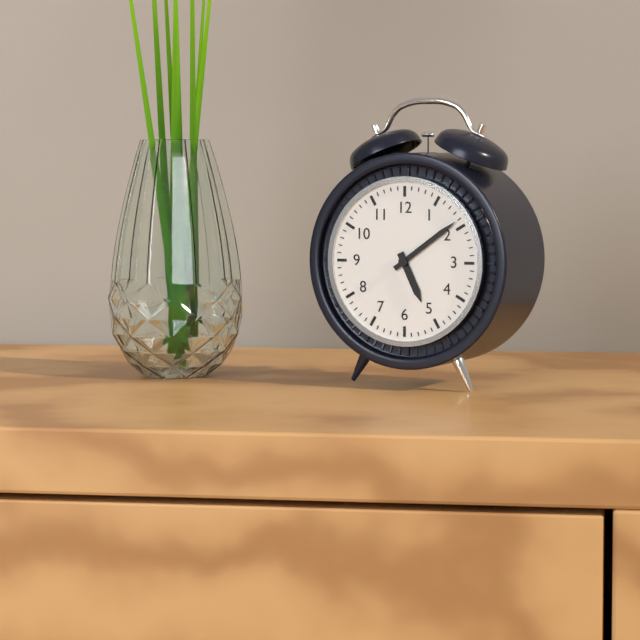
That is 5 h 09 min
